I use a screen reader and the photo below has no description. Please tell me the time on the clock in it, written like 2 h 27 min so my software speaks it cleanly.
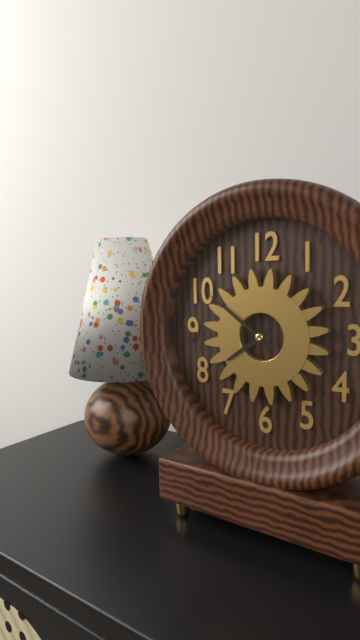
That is 7 h 51 min
